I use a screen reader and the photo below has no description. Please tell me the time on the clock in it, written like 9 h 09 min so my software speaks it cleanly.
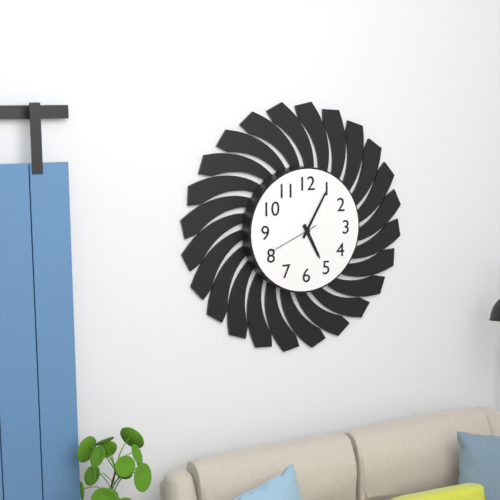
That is 5 h 05 min
